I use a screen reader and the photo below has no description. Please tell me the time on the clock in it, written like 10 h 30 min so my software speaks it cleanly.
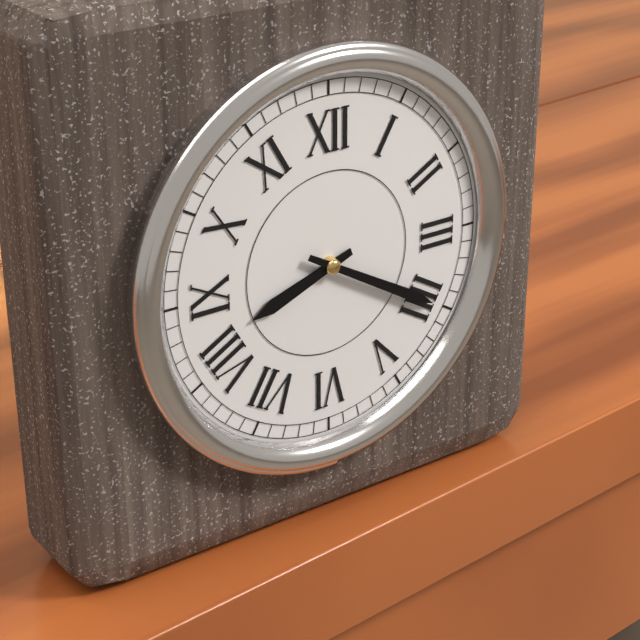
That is 8 h 20 min
